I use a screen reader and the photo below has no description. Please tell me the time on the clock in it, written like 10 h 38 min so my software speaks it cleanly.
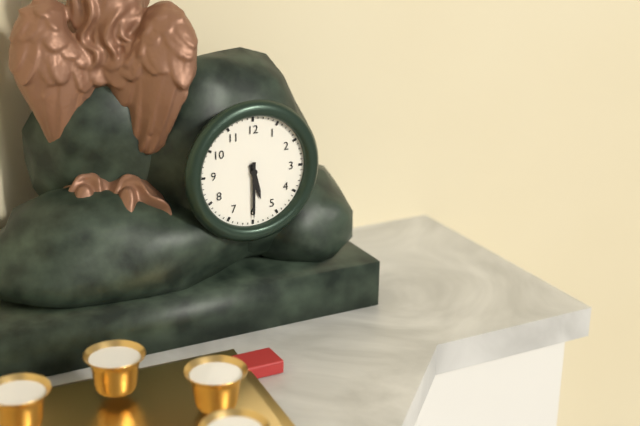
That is 5 h 30 min
